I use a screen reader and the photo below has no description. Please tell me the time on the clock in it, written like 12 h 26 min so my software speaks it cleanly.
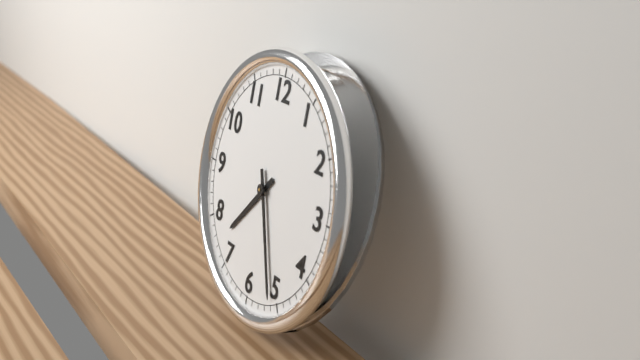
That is 7 h 26 min
